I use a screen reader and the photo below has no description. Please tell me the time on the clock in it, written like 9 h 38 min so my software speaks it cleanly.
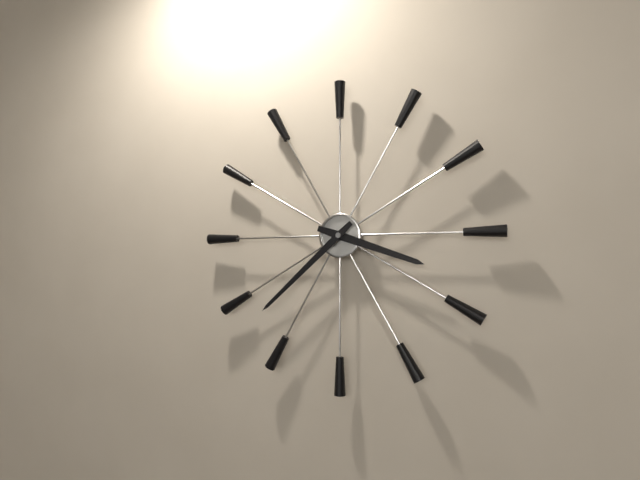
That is 3 h 38 min
